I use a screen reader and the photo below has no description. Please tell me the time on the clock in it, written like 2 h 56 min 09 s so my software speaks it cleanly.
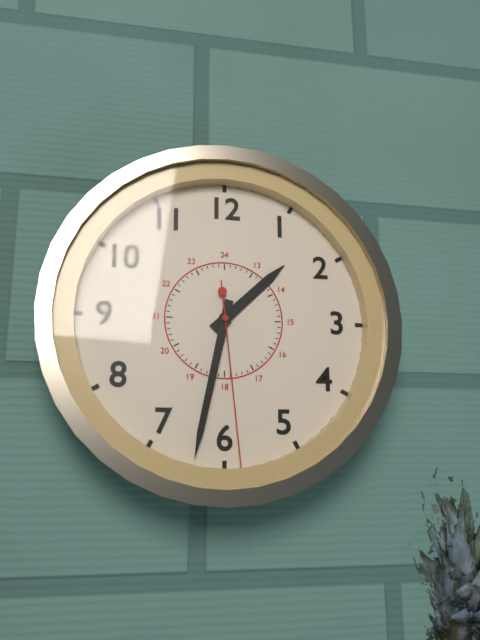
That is 1 h 32 min 29 s
